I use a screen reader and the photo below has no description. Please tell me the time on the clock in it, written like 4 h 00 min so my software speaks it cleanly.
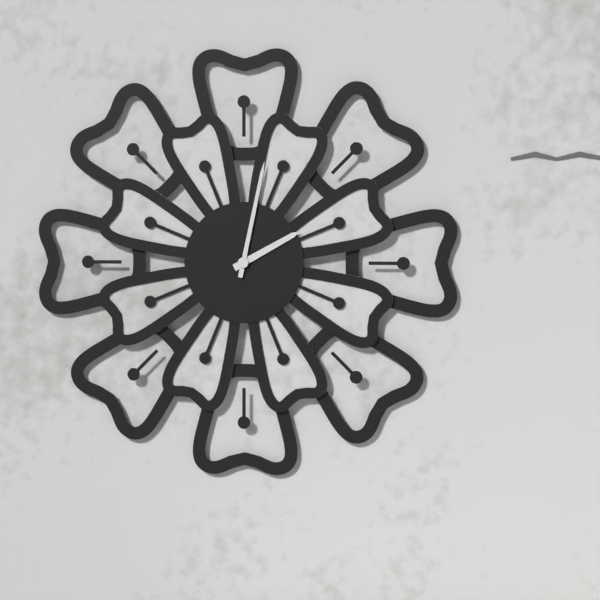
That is 2 h 02 min
